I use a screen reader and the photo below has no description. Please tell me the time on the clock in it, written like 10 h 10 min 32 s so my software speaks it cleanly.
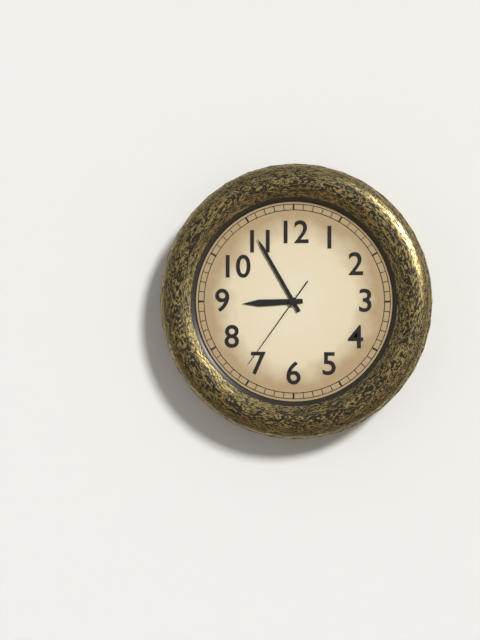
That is 8 h 55 min 36 s
